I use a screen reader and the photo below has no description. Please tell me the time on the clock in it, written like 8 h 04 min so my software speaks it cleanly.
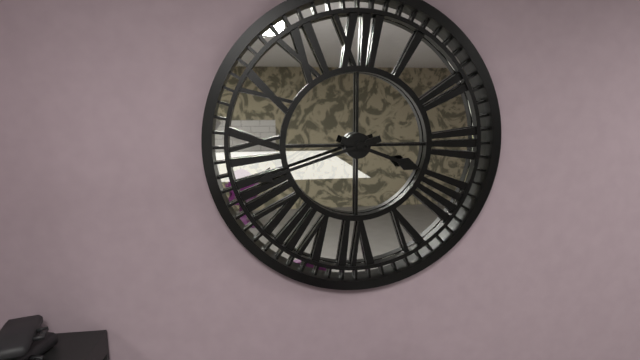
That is 3 h 42 min
